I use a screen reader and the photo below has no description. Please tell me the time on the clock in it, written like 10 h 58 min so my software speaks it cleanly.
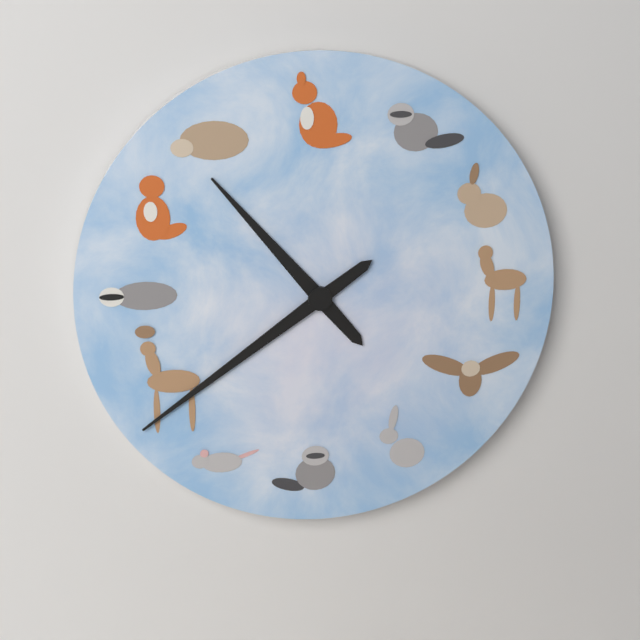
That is 10 h 39 min
